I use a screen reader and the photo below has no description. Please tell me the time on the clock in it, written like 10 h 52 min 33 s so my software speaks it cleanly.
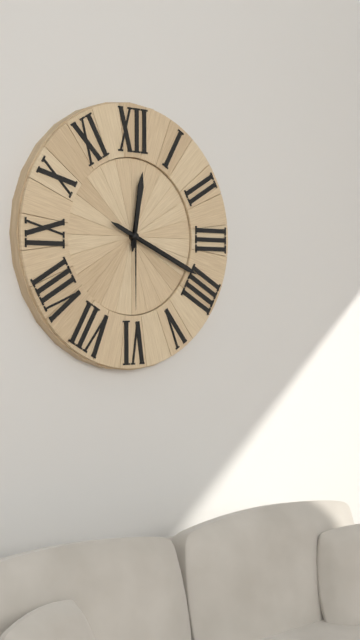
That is 12 h 19 min 30 s
